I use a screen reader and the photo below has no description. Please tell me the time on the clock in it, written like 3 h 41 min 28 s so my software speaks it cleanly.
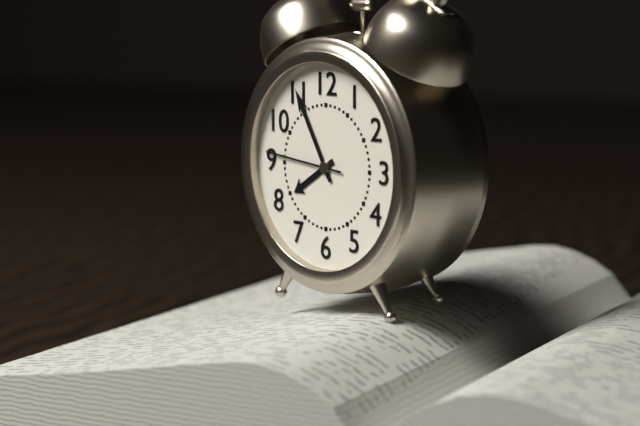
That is 7 h 55 min 46 s
